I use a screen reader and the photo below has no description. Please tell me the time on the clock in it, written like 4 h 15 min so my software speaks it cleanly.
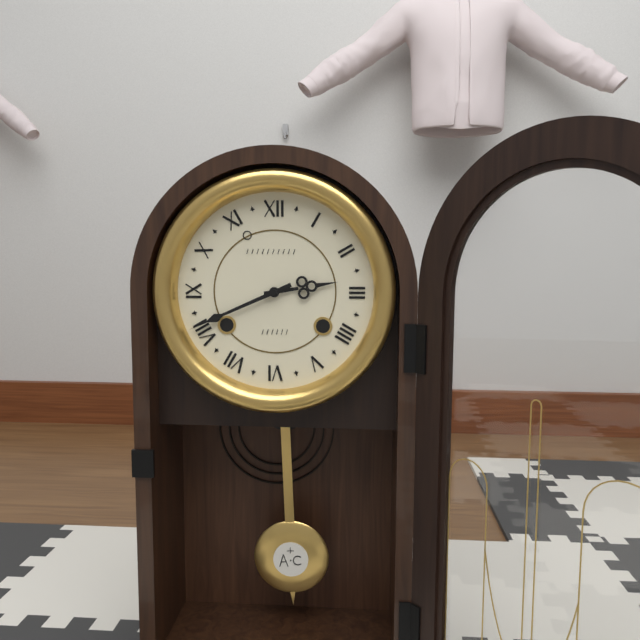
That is 2 h 41 min
